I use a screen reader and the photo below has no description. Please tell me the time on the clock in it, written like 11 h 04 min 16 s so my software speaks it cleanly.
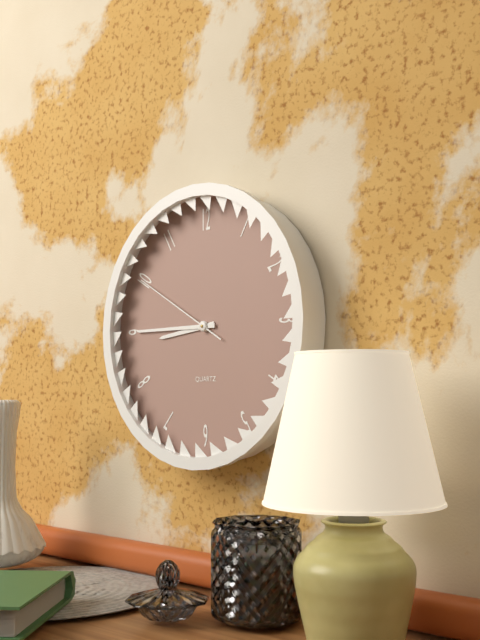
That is 8 h 45 min 50 s
